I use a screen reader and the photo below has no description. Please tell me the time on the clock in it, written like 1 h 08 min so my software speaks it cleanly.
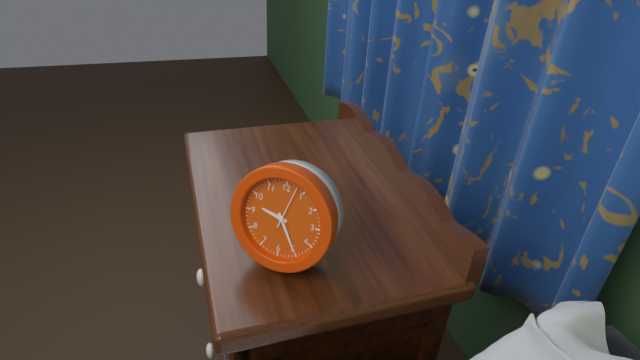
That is 9 h 25 min
